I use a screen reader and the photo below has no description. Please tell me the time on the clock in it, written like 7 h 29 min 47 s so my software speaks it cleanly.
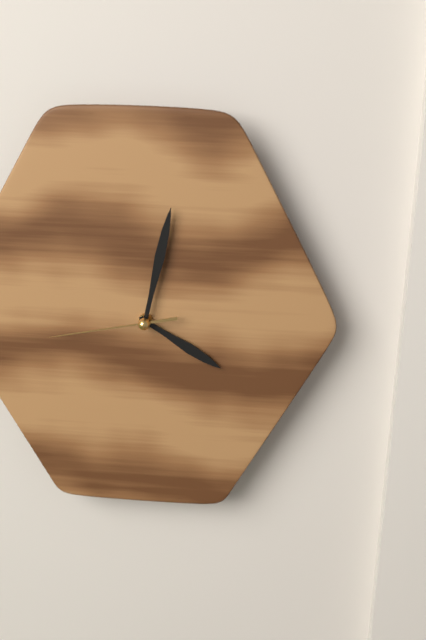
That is 4 h 02 min 43 s
